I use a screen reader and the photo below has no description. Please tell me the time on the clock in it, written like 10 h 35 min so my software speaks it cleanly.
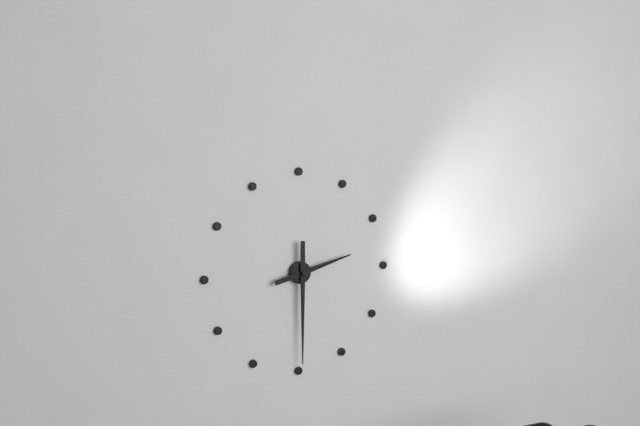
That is 2 h 30 min
